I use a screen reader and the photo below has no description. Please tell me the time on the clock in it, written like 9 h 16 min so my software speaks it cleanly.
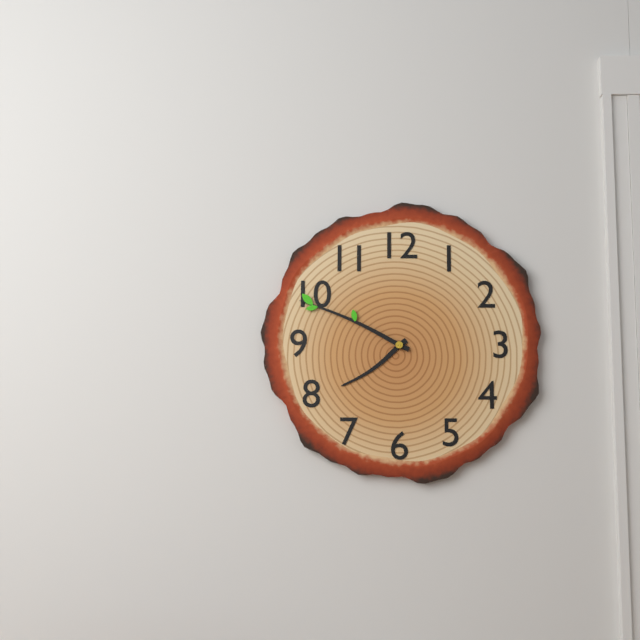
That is 7 h 49 min
